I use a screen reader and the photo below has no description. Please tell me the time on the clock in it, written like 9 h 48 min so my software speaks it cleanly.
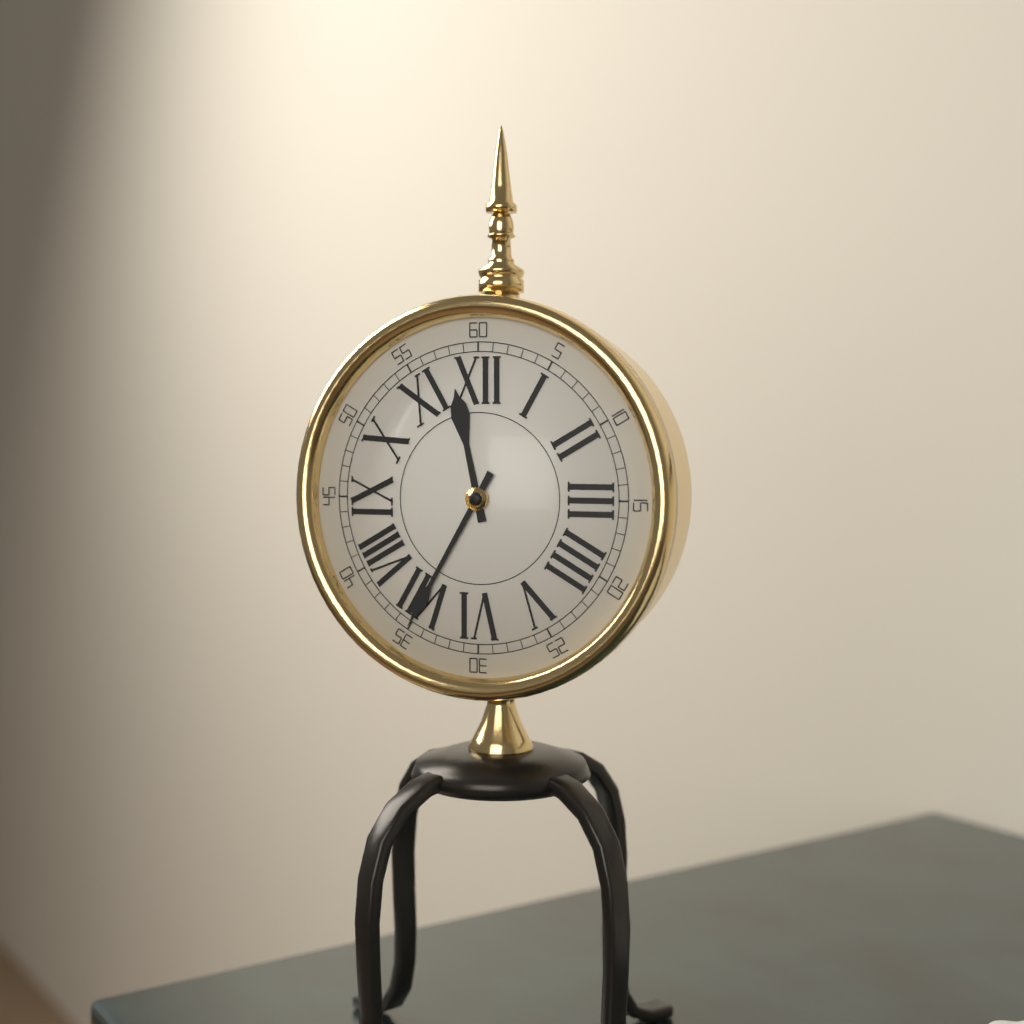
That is 11 h 35 min
